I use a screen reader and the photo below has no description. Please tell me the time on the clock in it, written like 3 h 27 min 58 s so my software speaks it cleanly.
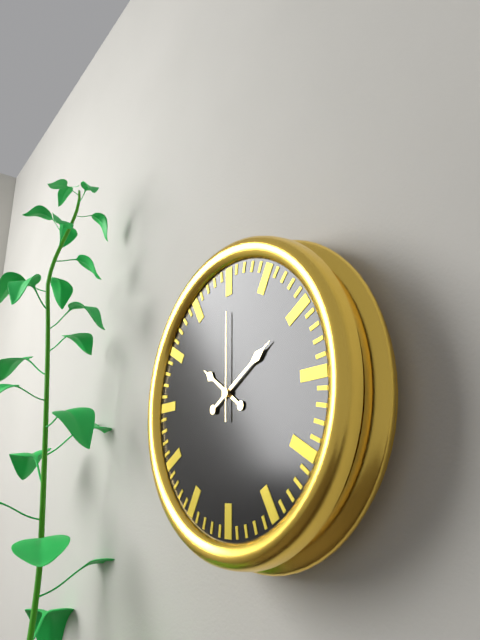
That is 10 h 10 min 00 s
